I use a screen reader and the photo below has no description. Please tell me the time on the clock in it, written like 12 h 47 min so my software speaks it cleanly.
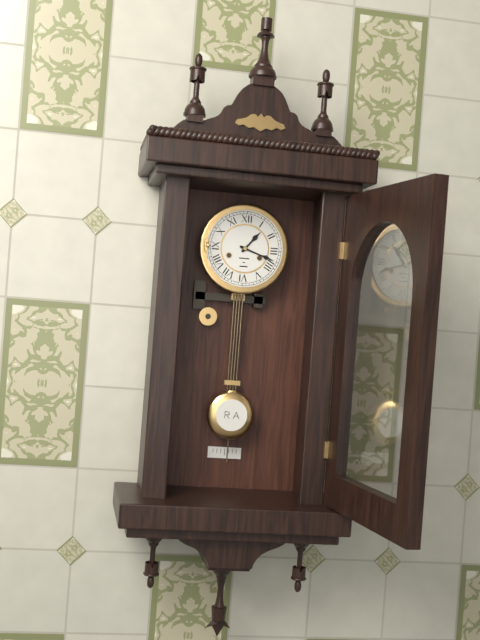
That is 1 h 18 min
